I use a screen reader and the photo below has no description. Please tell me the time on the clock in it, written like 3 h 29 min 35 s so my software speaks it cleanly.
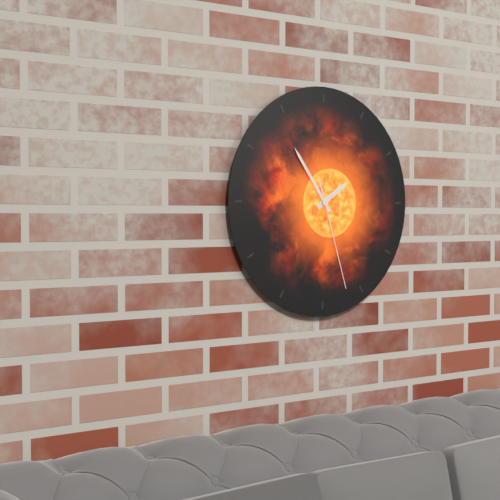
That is 1 h 54 min 27 s
